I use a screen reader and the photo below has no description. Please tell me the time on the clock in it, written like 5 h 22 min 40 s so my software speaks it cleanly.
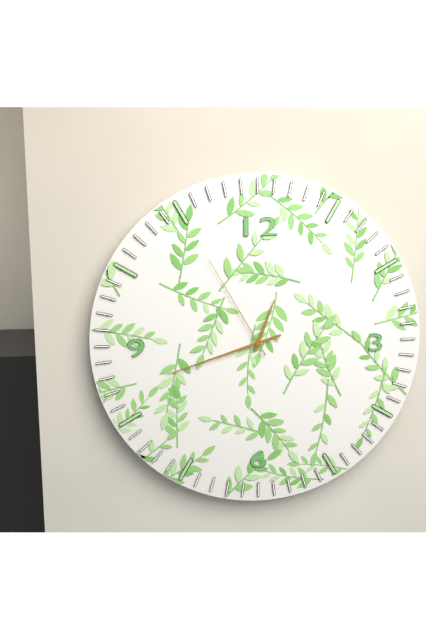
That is 12 h 42 min 55 s
